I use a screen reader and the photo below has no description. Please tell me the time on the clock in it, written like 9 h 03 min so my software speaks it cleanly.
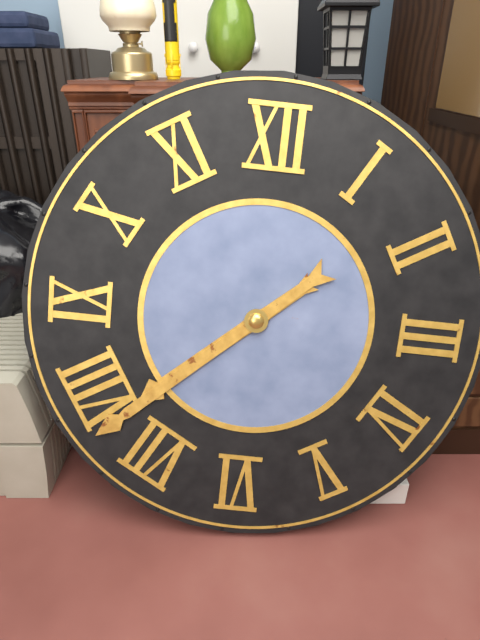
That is 7 h 38 min
